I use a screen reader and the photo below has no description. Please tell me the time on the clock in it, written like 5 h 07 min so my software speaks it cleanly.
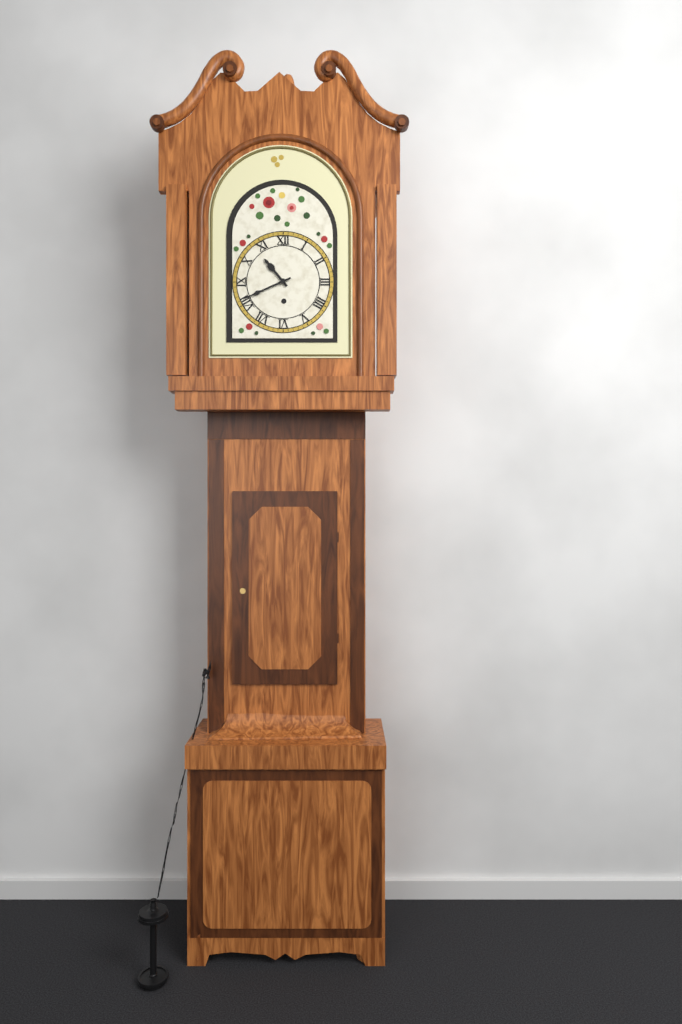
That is 10 h 41 min
